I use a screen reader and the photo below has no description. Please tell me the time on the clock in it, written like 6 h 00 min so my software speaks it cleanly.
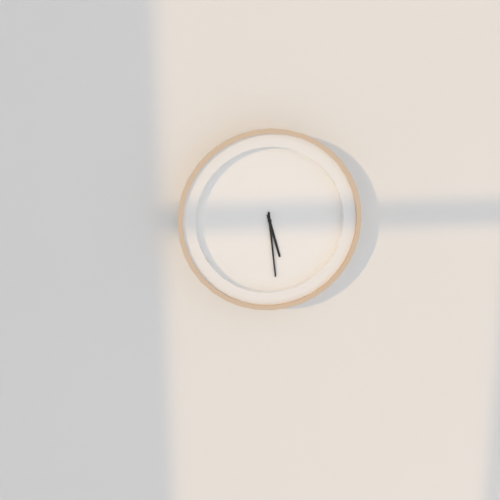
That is 5 h 29 min
